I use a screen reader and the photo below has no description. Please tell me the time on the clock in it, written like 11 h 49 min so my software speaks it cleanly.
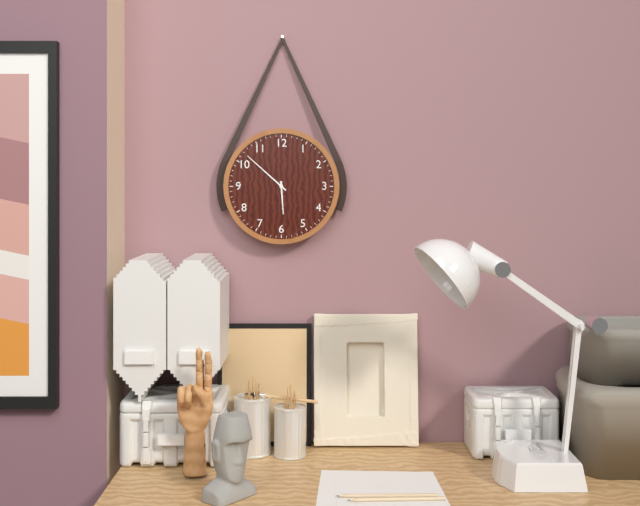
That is 5 h 52 min
